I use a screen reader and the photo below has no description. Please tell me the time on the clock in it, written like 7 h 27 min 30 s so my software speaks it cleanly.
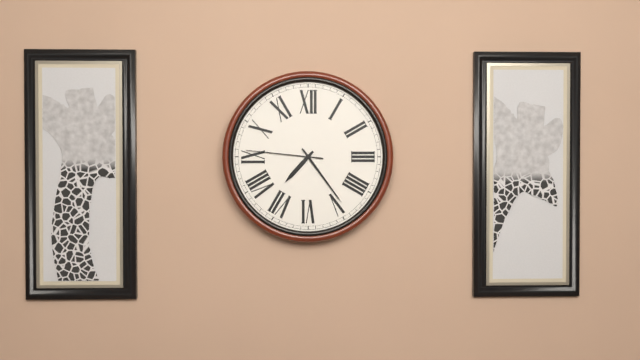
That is 7 h 24 min 46 s
